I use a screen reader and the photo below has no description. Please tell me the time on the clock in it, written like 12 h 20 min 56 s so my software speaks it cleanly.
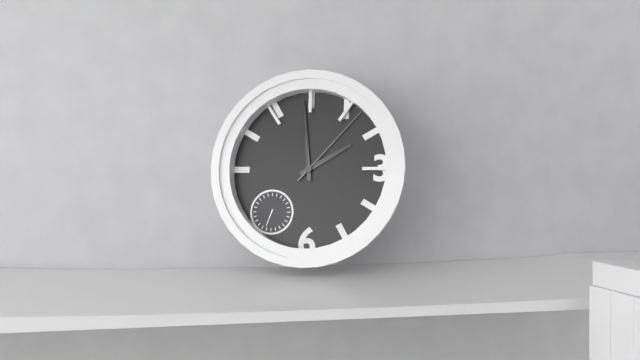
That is 1 h 59 min 07 s
